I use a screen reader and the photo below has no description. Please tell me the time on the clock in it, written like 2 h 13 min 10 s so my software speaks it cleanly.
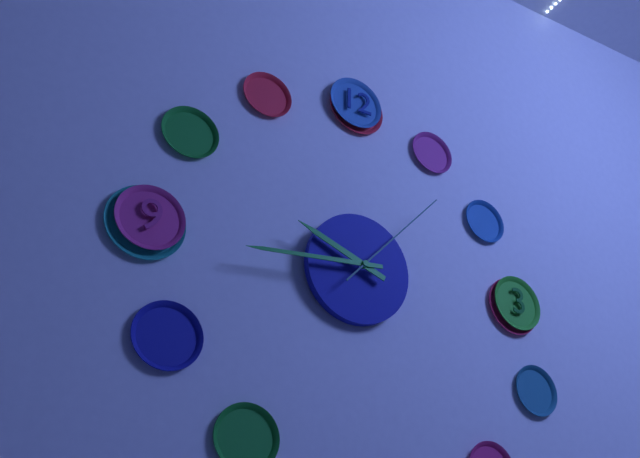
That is 9 h 44 min 07 s
